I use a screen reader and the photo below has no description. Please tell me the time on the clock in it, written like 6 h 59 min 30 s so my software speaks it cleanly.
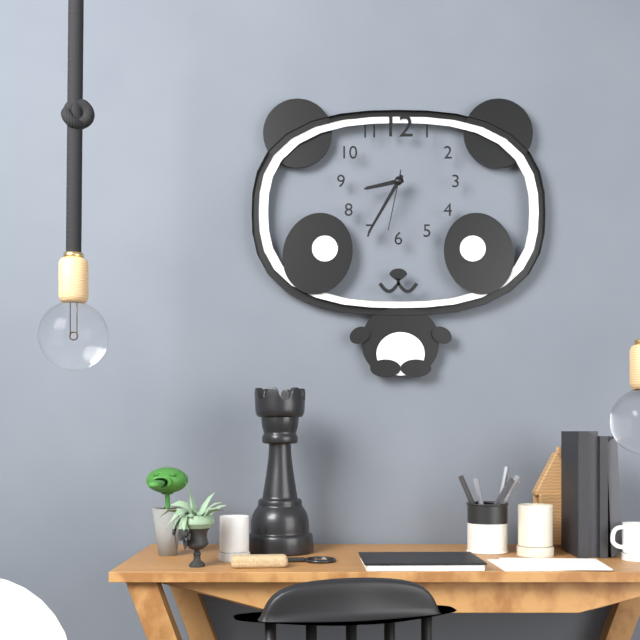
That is 8 h 35 min 32 s
